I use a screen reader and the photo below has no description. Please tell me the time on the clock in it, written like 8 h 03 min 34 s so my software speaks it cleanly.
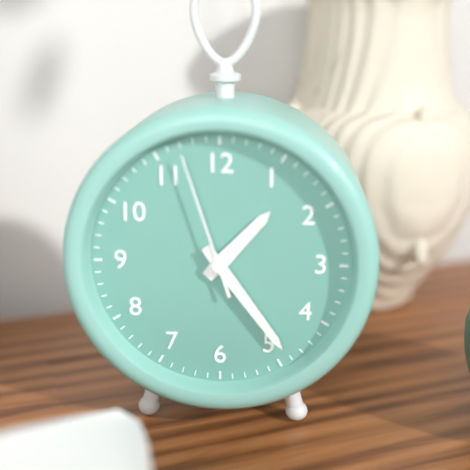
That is 1 h 24 min 57 s
